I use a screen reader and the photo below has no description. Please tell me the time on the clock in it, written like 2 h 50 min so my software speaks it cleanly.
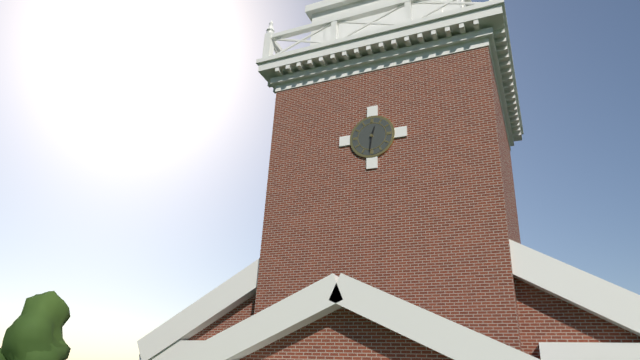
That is 12 h 31 min
